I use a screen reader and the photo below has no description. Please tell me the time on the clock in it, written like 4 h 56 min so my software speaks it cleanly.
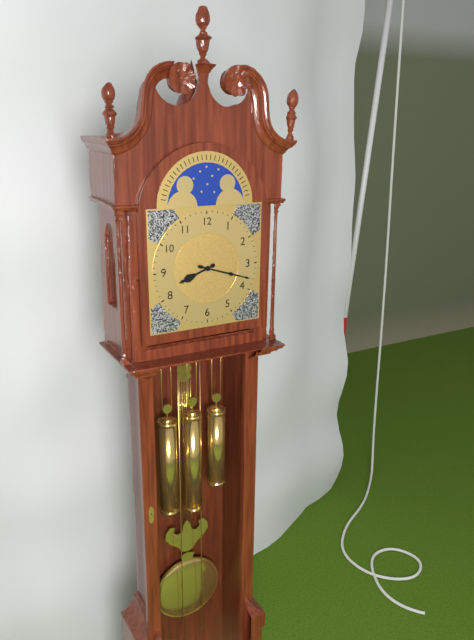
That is 8 h 18 min
